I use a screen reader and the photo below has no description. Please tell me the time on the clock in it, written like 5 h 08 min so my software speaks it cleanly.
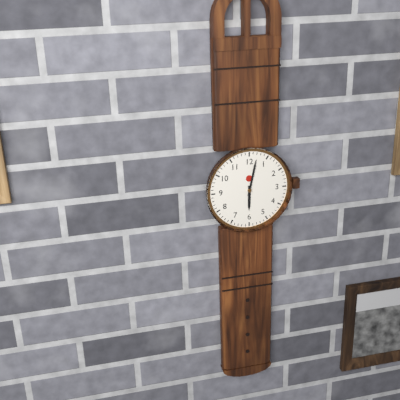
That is 6 h 02 min
